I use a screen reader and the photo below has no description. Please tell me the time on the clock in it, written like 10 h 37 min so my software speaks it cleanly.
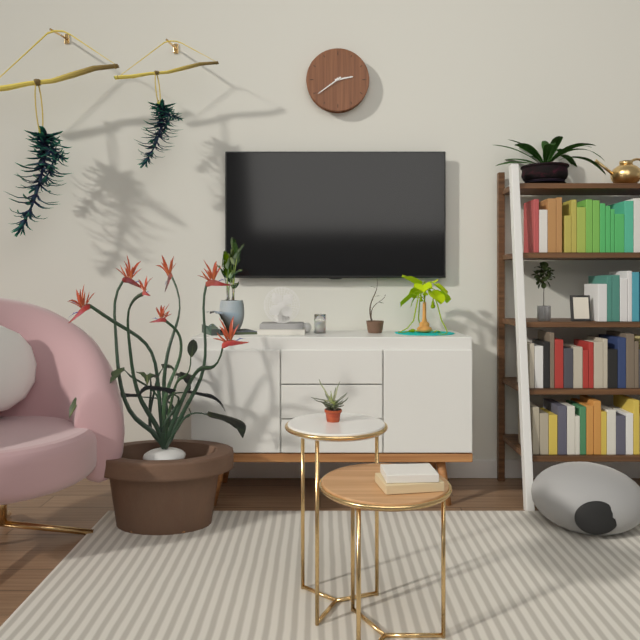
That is 2 h 39 min
